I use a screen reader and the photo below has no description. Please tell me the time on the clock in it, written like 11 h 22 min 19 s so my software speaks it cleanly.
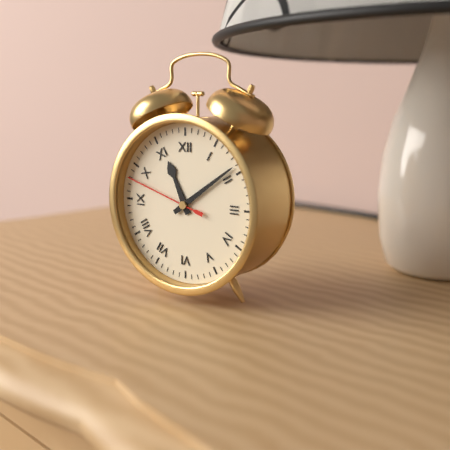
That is 11 h 09 min 48 s
